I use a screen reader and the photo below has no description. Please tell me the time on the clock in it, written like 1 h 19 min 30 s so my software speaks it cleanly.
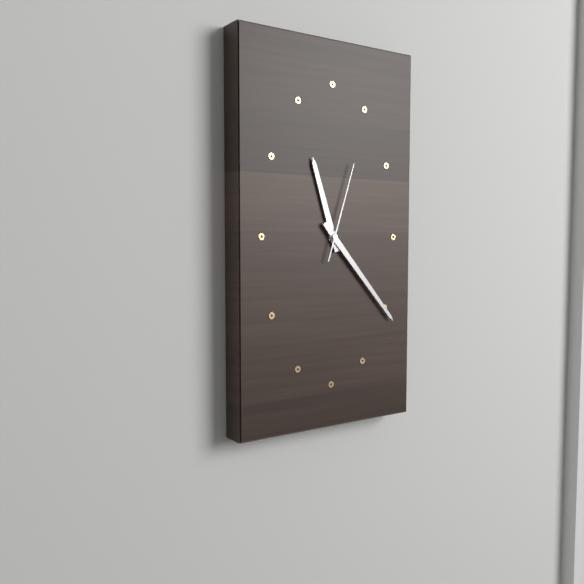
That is 11 h 23 min 03 s
